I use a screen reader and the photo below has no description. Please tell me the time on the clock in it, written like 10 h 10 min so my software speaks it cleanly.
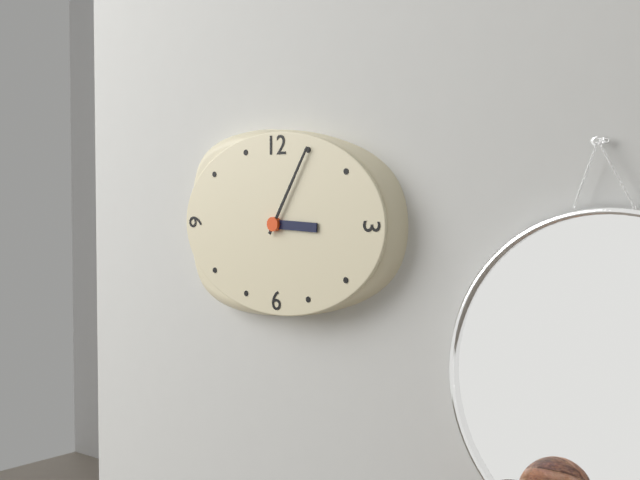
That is 3 h 05 min
